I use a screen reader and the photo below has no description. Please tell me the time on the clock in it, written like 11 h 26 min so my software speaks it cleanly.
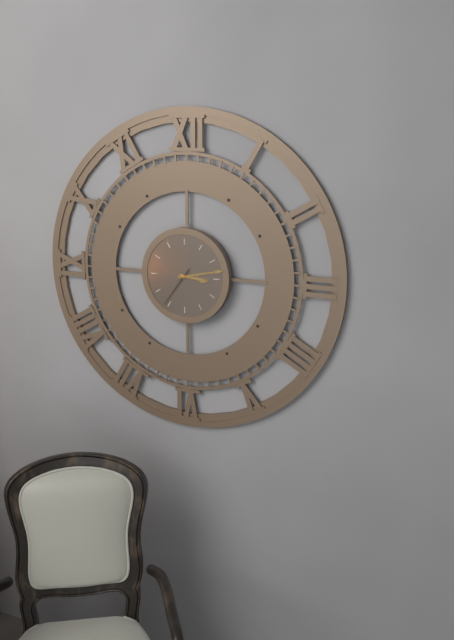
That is 3 h 13 min
